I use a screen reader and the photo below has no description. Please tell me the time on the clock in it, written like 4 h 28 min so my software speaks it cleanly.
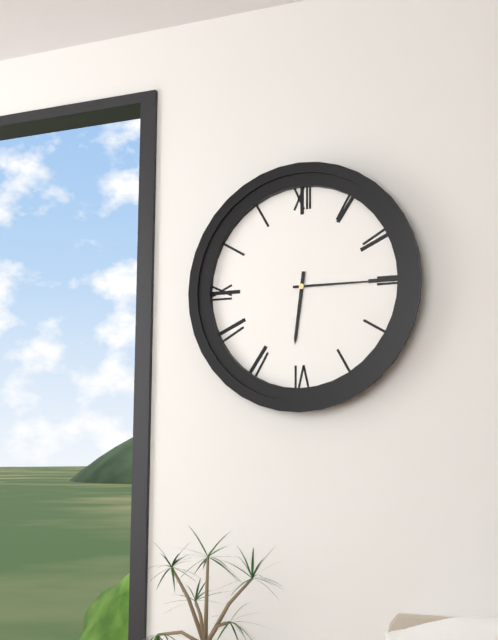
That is 6 h 15 min
